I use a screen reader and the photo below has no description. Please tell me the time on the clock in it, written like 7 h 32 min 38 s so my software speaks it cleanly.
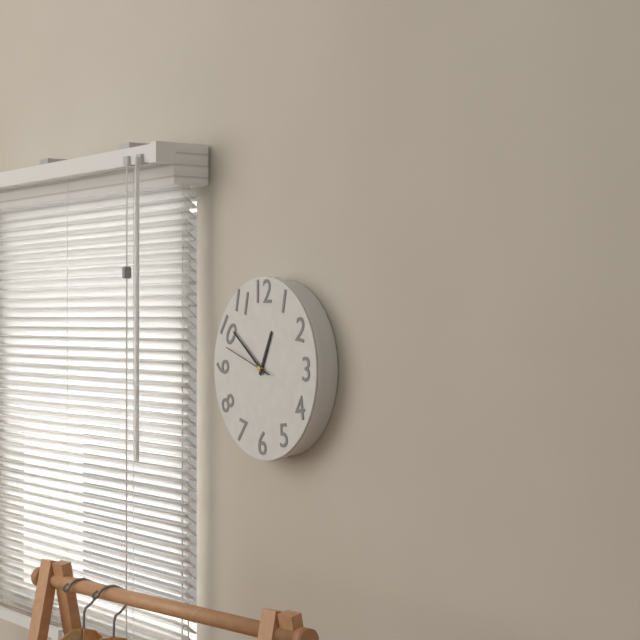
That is 12 h 51 min 48 s
